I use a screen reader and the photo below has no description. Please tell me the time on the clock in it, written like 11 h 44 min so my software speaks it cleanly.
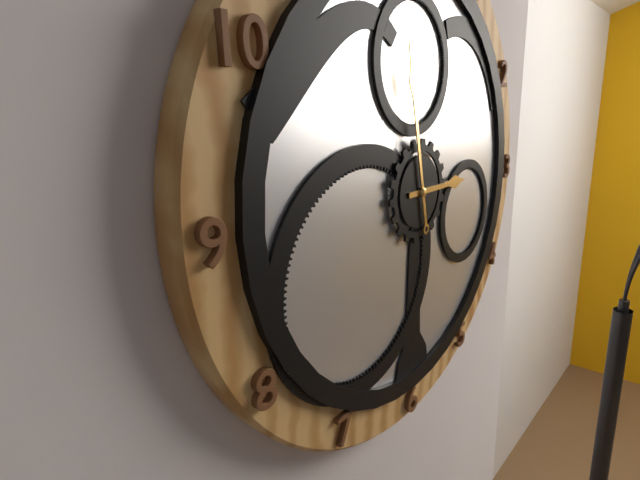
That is 2 h 58 min
